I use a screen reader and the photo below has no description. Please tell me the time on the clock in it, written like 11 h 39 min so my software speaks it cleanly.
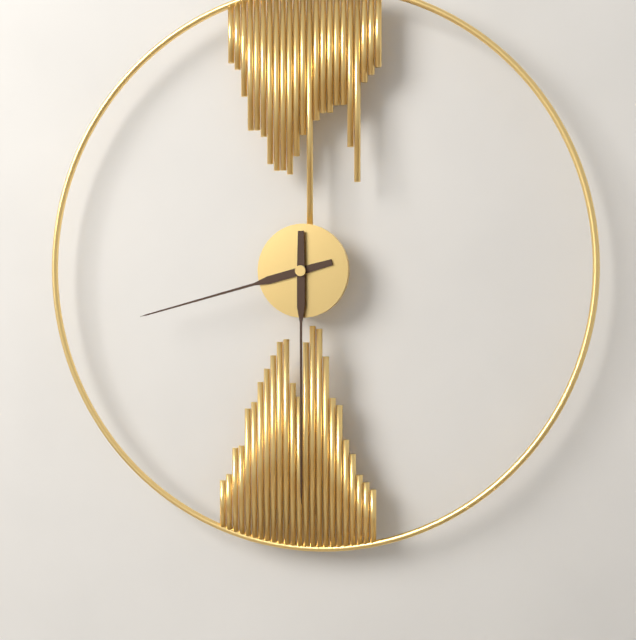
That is 8 h 30 min
